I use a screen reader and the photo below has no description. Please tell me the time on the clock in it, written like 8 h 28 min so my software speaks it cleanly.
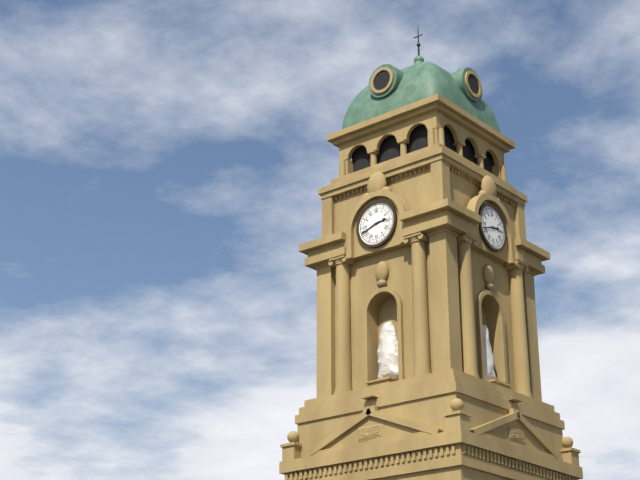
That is 2 h 42 min
